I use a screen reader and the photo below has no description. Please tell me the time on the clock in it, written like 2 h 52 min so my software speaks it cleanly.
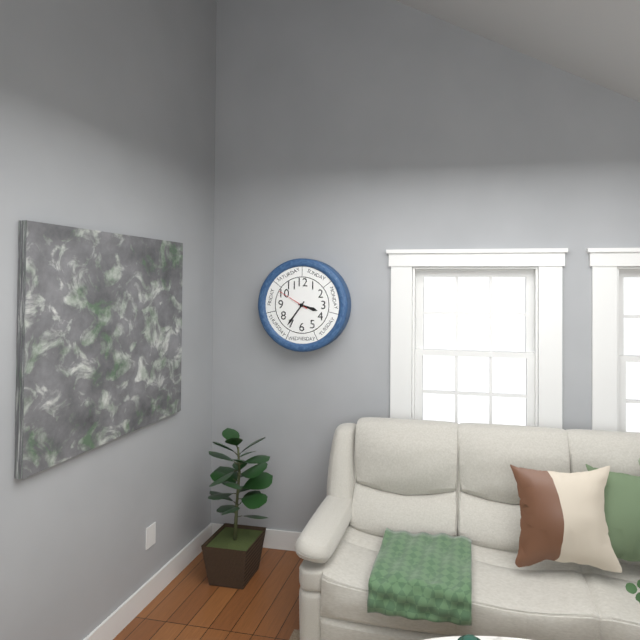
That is 3 h 36 min
